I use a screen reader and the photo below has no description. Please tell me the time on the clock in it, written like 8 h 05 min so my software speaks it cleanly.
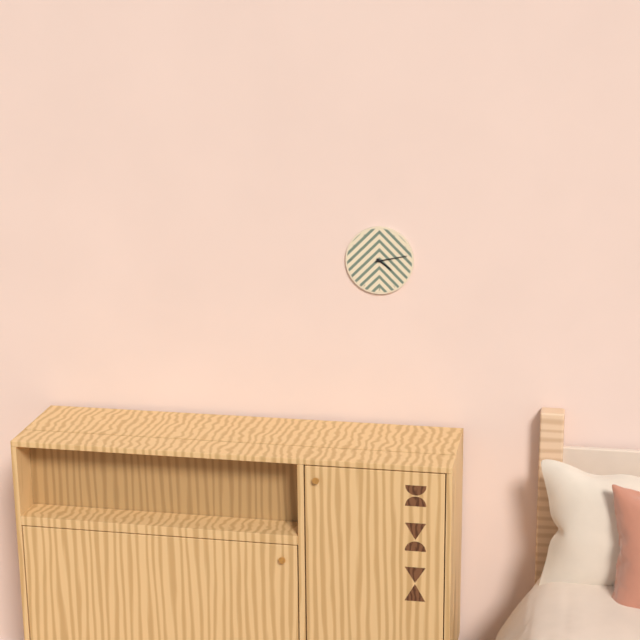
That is 4 h 13 min
